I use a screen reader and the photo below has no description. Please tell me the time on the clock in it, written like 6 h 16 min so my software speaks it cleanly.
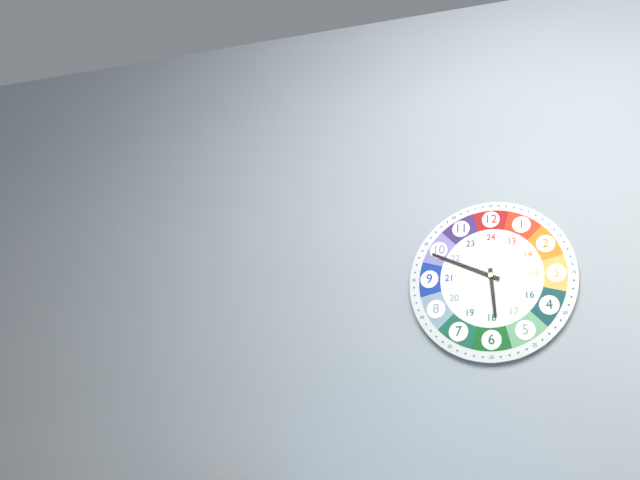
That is 5 h 49 min
